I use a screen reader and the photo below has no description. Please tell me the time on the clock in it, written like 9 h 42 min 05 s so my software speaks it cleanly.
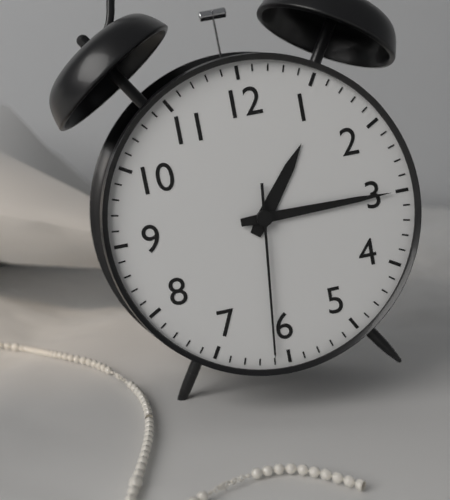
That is 1 h 15 min 31 s
